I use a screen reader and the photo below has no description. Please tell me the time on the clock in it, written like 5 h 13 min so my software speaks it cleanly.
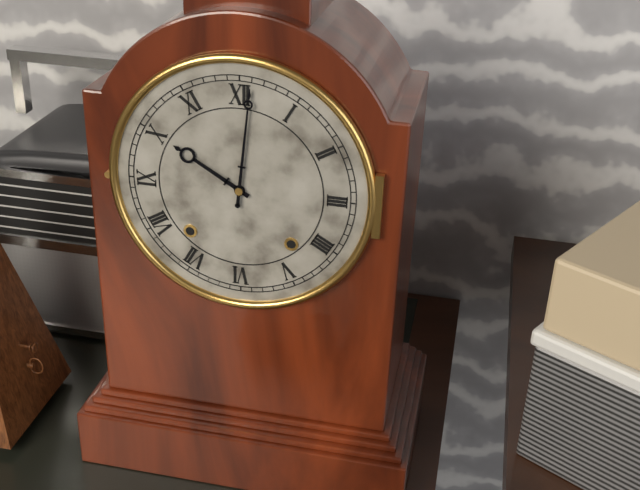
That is 10 h 01 min
